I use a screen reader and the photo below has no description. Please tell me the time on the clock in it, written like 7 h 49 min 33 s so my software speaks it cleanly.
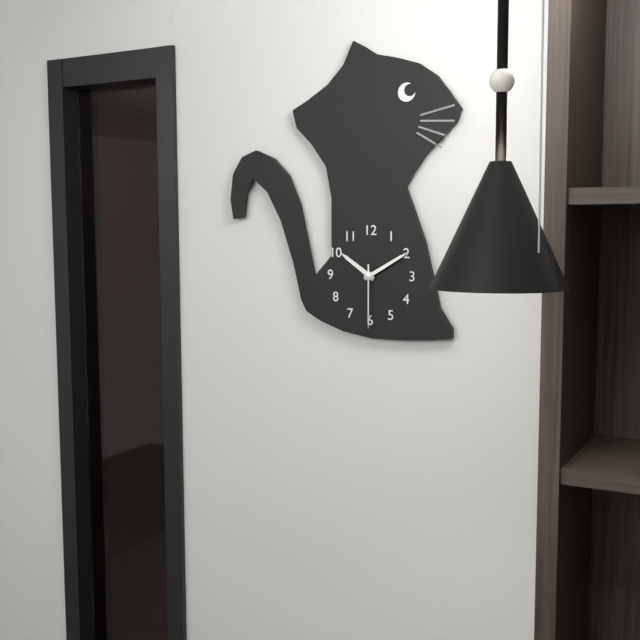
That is 10 h 10 min 30 s
